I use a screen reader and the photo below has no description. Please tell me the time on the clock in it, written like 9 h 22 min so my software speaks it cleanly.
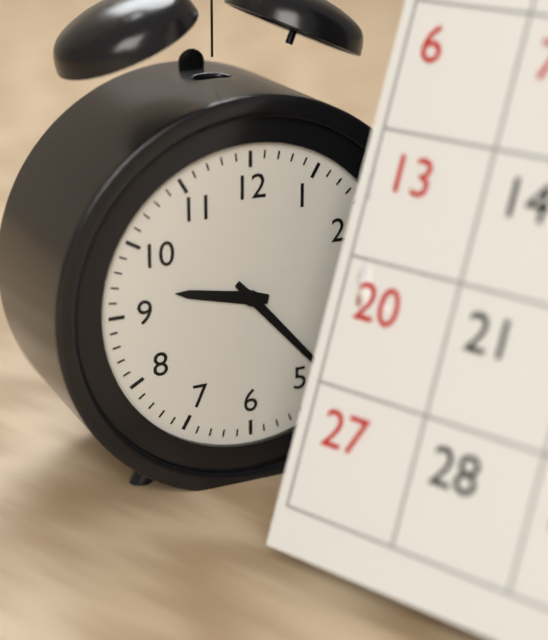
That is 9 h 23 min
